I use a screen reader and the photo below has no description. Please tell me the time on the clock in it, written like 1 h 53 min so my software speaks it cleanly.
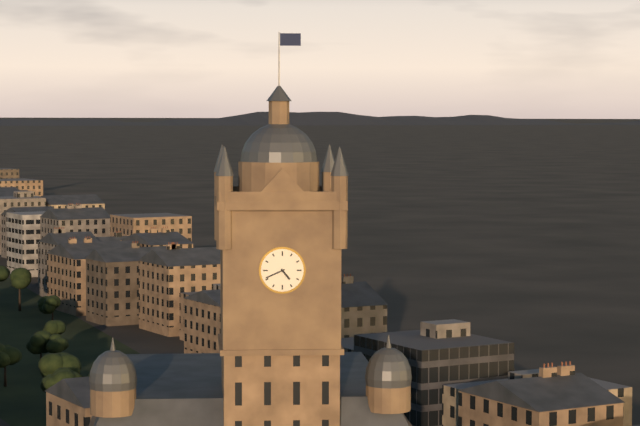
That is 4 h 41 min
